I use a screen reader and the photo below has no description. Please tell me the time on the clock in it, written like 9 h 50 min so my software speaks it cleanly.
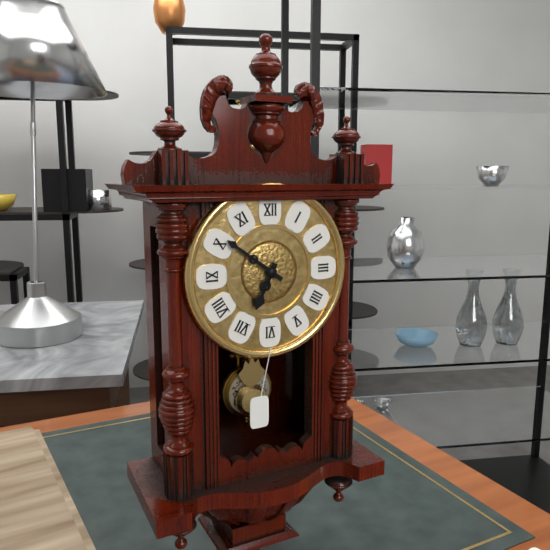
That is 6 h 51 min
